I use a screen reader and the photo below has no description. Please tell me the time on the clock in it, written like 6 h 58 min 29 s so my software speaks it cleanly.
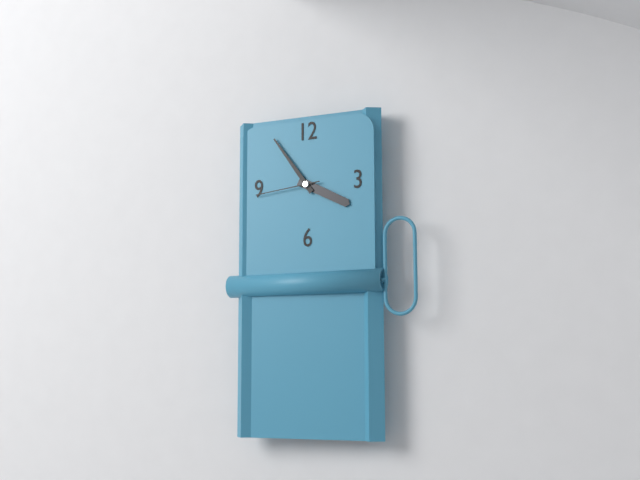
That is 3 h 54 min 44 s
